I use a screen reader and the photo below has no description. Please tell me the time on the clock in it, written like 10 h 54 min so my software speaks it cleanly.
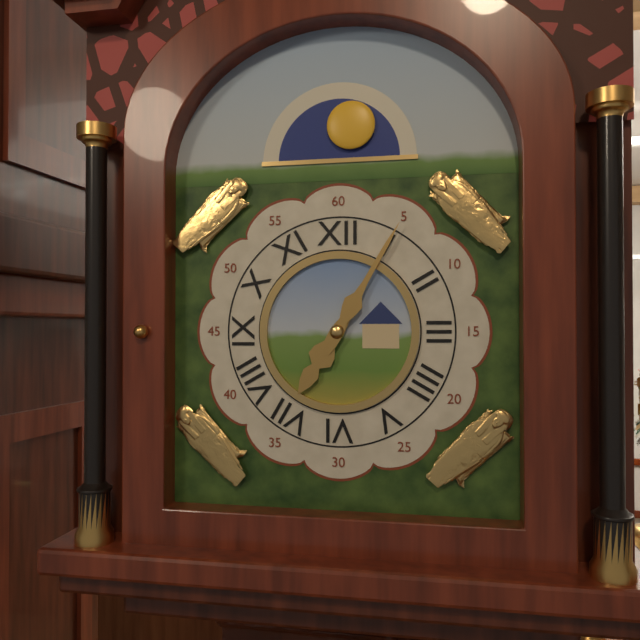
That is 7 h 05 min
